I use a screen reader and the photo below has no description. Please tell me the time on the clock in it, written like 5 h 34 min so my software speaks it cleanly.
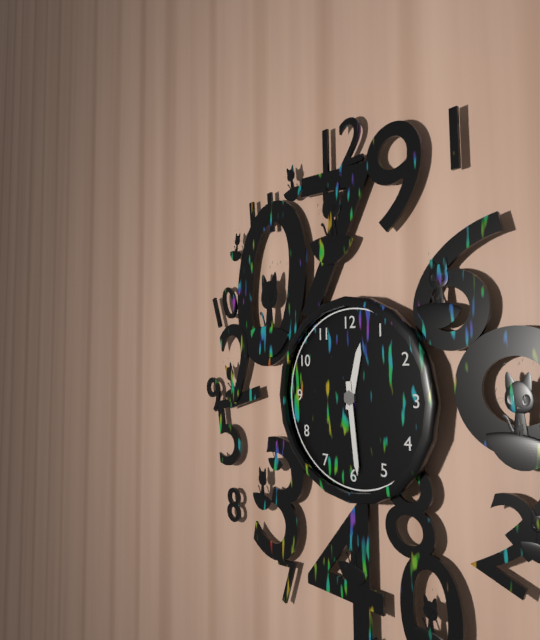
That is 12 h 29 min
